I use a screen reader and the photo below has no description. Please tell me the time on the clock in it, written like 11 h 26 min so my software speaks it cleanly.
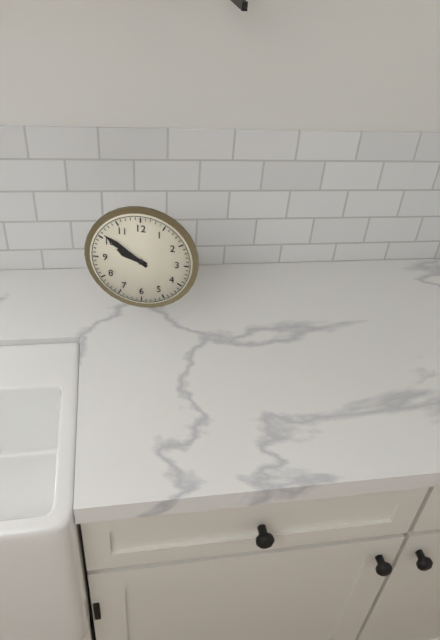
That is 9 h 51 min
